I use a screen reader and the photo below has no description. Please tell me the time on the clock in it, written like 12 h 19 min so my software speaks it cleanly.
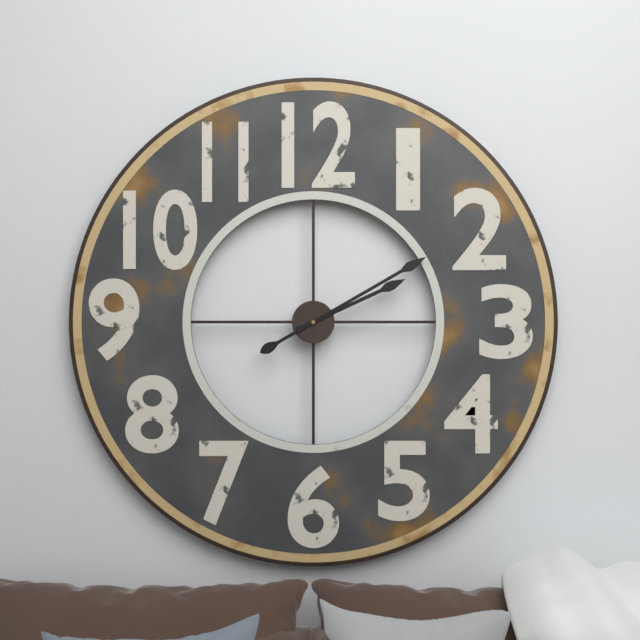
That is 2 h 10 min
